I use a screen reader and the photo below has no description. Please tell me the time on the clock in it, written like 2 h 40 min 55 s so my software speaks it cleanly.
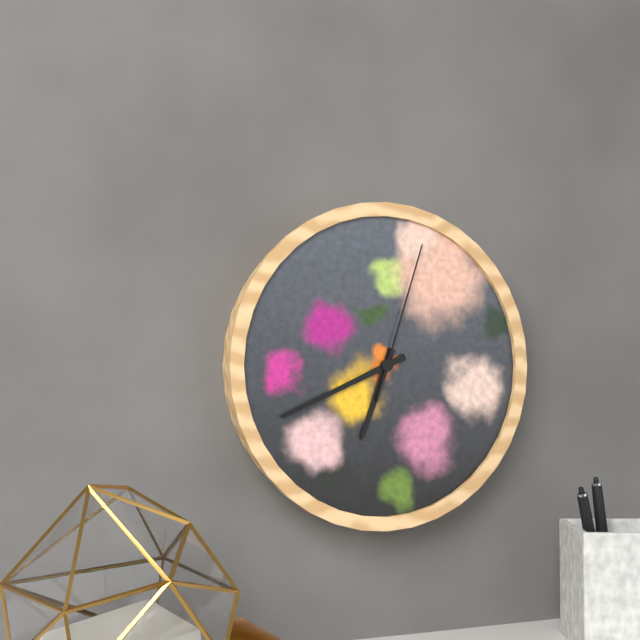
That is 6 h 41 min 03 s
